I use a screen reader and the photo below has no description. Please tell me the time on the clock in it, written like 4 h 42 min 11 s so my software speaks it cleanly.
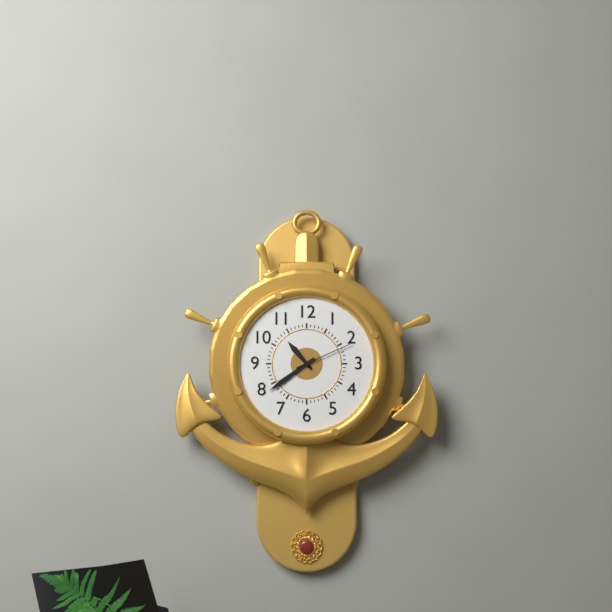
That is 10 h 39 min 11 s
